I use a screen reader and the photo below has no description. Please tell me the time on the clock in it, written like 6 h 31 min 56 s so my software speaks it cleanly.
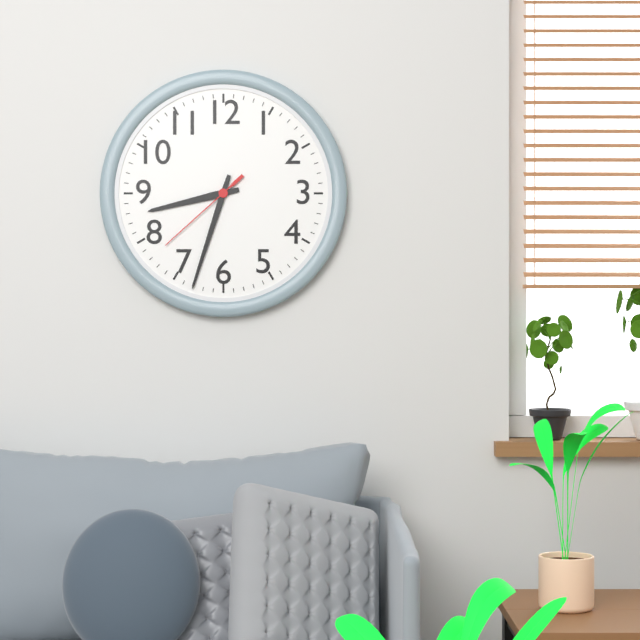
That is 8 h 33 min 38 s
